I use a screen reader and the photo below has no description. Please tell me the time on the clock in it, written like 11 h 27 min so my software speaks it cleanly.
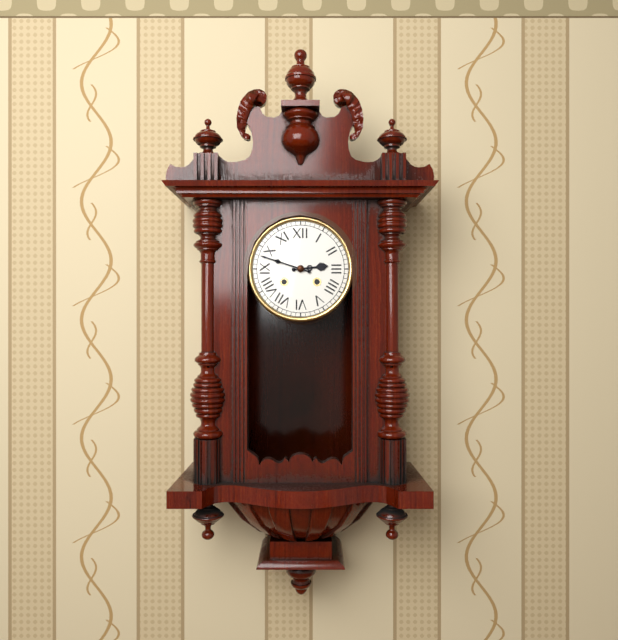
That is 2 h 48 min
